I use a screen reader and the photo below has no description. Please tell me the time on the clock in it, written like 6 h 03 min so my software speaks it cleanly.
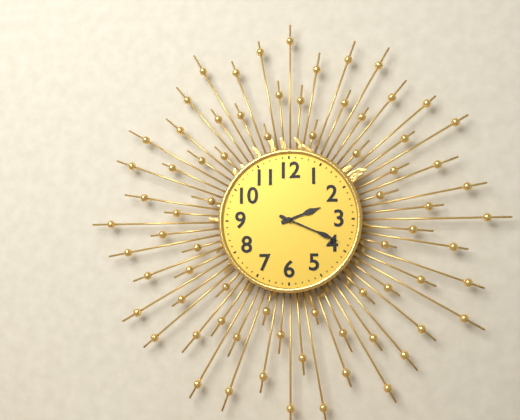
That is 2 h 19 min
